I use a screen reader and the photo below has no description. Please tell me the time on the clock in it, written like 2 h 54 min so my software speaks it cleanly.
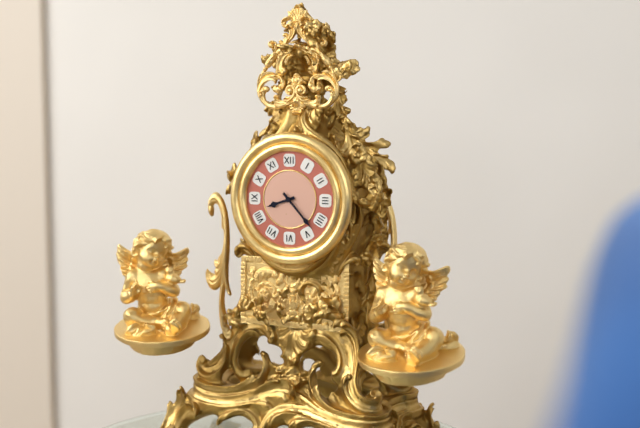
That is 8 h 23 min
